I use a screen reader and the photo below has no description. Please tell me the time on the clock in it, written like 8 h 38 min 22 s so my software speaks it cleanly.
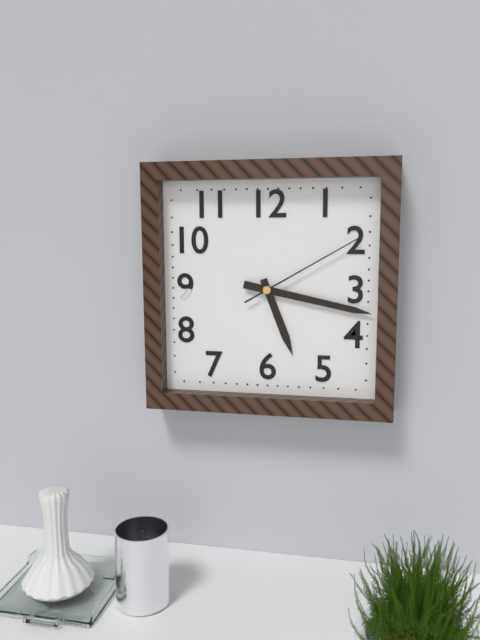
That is 5 h 17 min 10 s
